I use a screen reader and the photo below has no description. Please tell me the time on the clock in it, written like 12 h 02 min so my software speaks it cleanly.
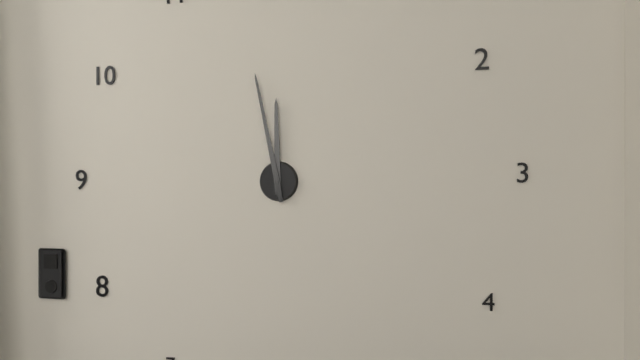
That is 11 h 58 min
